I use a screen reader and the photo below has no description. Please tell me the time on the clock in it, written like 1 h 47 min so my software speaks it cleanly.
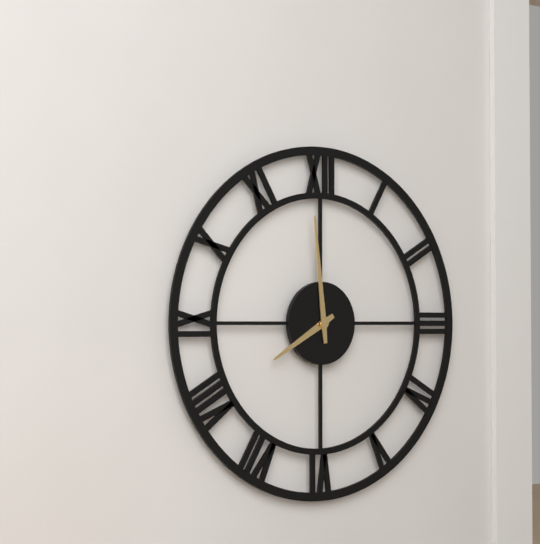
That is 7 h 59 min
